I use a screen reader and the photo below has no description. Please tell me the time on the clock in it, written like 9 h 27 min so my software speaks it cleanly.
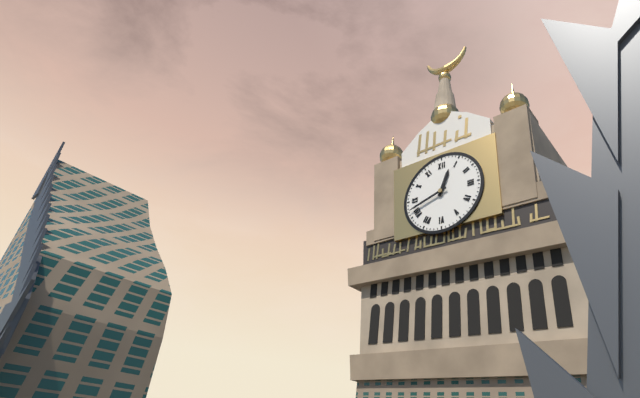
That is 12 h 42 min
